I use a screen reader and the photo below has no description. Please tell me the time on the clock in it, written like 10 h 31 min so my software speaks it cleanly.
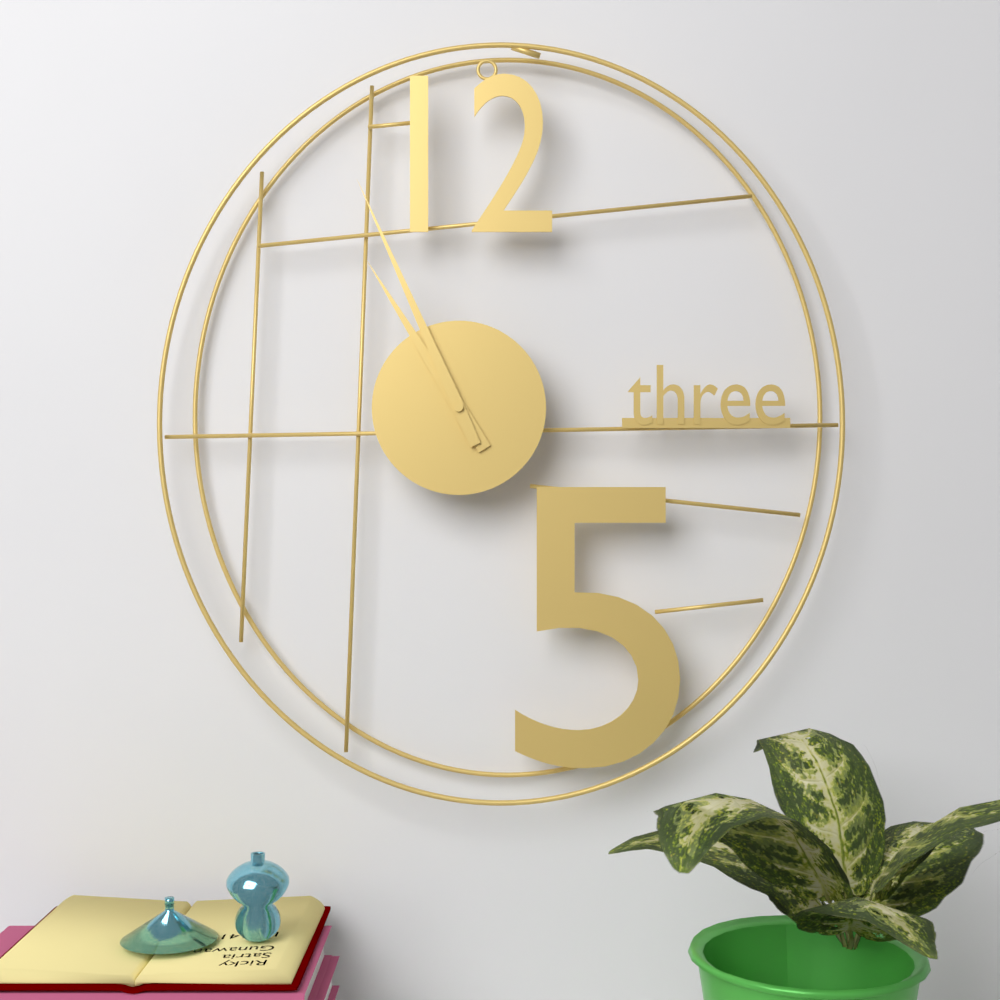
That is 10 h 56 min
